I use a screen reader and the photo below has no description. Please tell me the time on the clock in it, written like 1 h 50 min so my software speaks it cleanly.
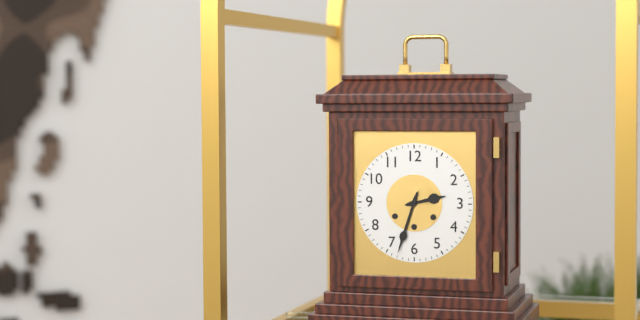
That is 2 h 33 min
